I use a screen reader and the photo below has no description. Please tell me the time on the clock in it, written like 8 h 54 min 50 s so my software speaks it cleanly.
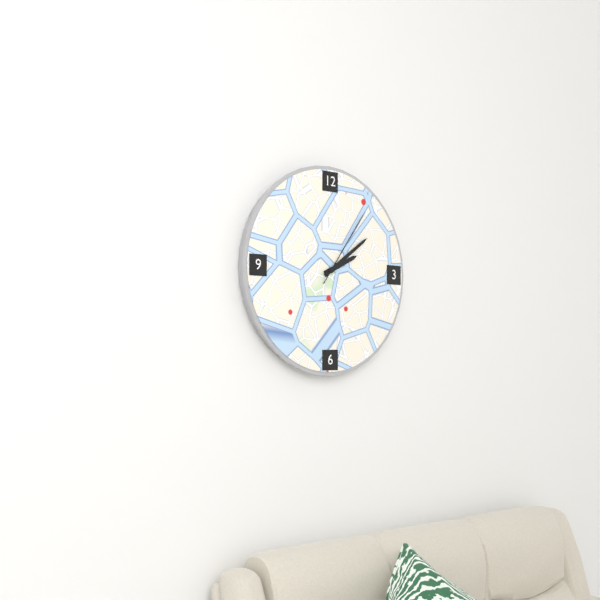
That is 2 h 09 min 06 s
